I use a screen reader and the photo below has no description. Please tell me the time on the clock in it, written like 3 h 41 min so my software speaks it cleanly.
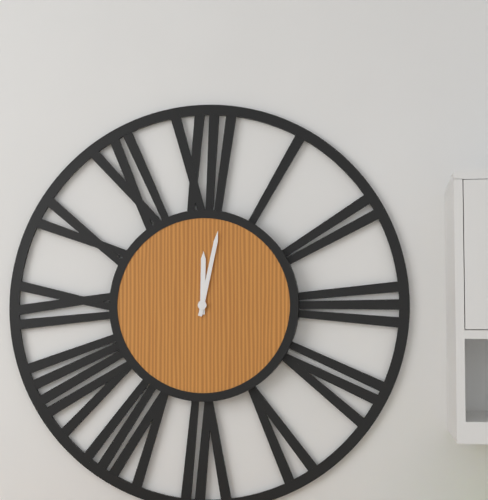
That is 12 h 02 min
